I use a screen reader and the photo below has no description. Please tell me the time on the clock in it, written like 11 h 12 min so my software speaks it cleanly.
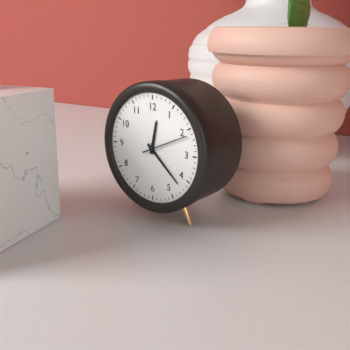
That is 12 h 22 min
